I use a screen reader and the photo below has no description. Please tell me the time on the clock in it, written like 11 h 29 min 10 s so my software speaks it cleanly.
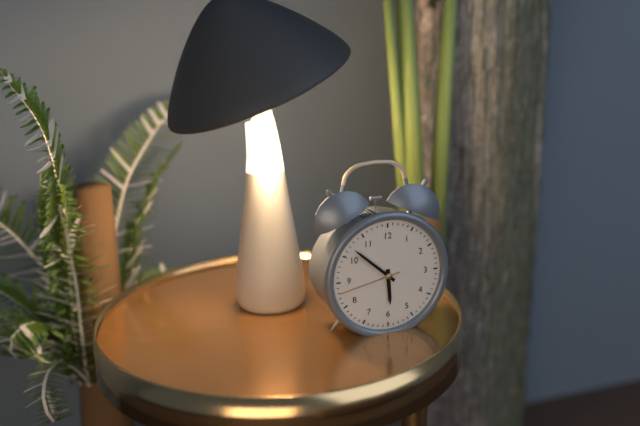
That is 5 h 52 min 43 s
